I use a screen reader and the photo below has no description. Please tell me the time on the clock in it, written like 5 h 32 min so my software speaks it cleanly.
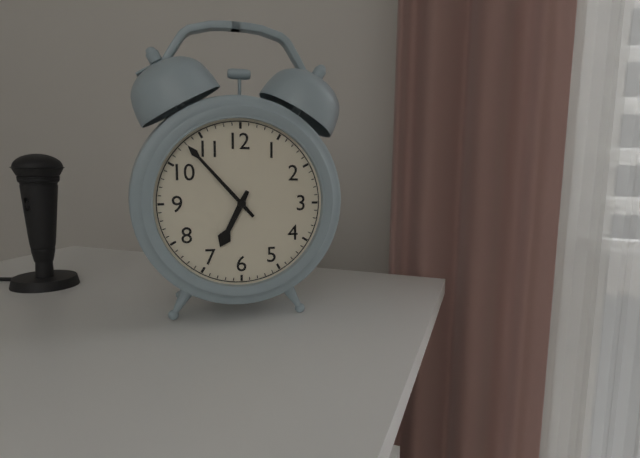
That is 6 h 53 min
